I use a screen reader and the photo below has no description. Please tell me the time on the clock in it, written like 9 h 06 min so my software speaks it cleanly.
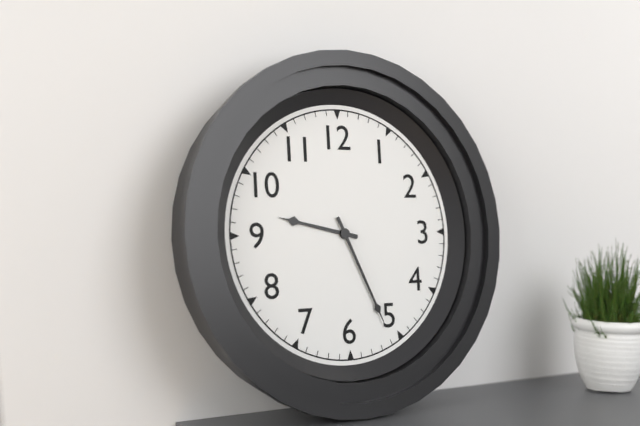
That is 9 h 26 min
